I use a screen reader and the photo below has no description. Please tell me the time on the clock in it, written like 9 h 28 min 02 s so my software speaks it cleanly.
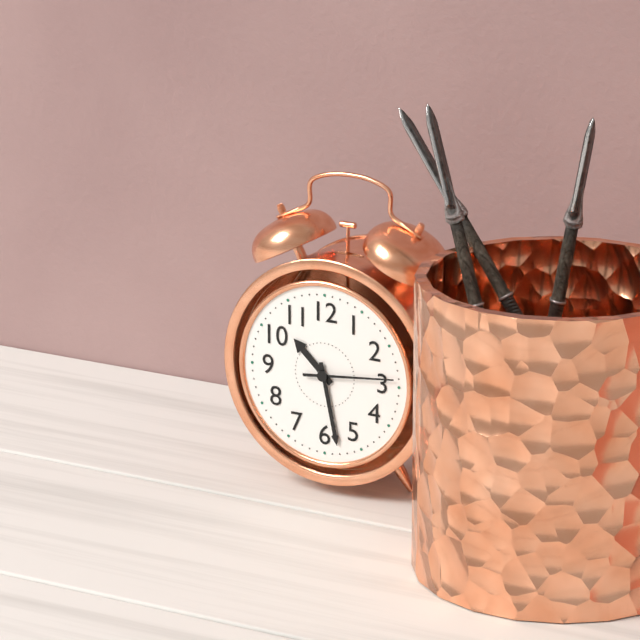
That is 10 h 28 min 14 s
